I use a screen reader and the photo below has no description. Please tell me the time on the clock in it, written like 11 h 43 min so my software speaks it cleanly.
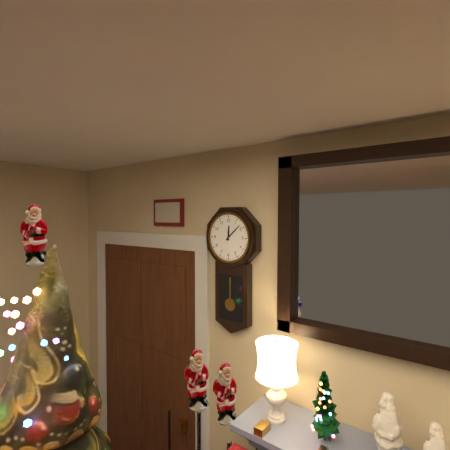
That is 12 h 08 min
